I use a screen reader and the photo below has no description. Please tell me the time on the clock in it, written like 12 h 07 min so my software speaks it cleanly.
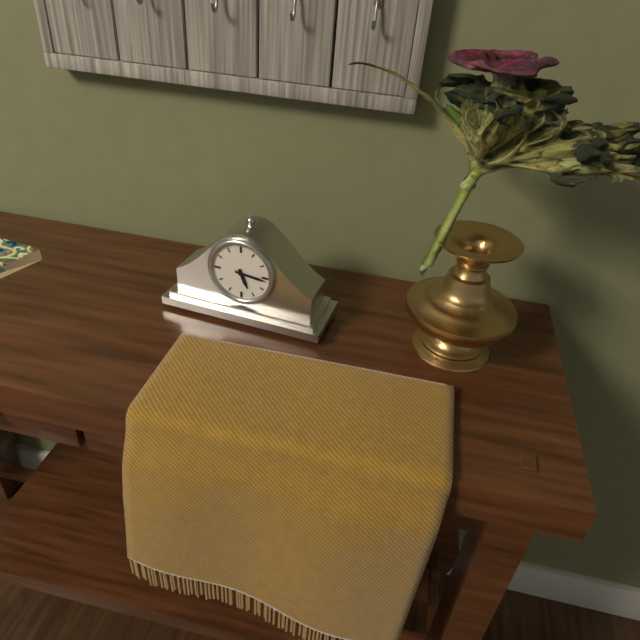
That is 5 h 16 min
